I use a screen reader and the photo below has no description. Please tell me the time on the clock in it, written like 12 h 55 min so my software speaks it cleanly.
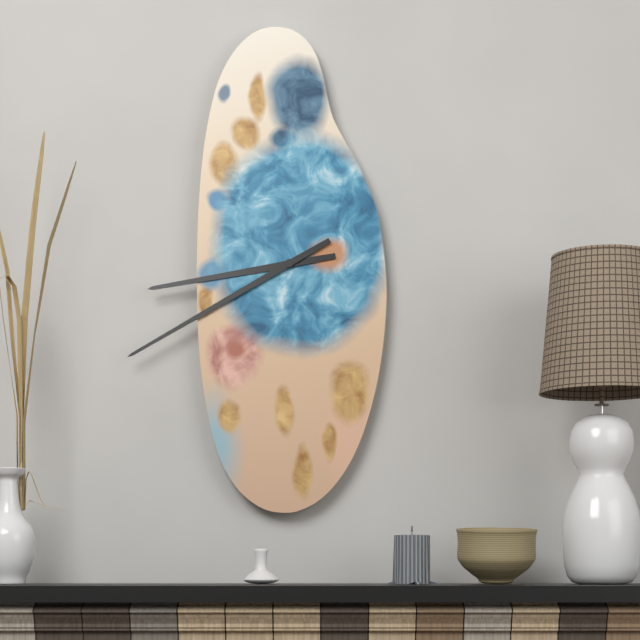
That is 8 h 40 min
